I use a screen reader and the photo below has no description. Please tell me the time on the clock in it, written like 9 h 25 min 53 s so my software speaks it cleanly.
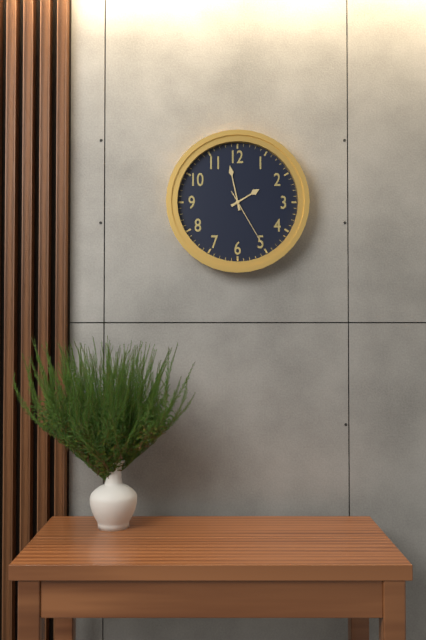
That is 1 h 58 min 25 s
